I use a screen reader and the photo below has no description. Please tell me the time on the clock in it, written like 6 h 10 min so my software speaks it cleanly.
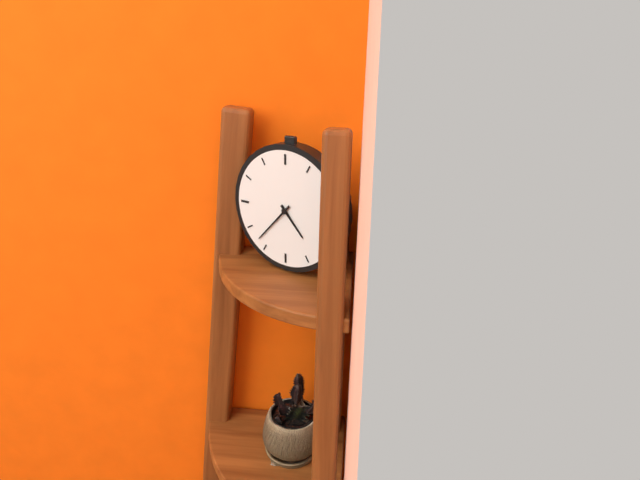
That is 4 h 37 min
